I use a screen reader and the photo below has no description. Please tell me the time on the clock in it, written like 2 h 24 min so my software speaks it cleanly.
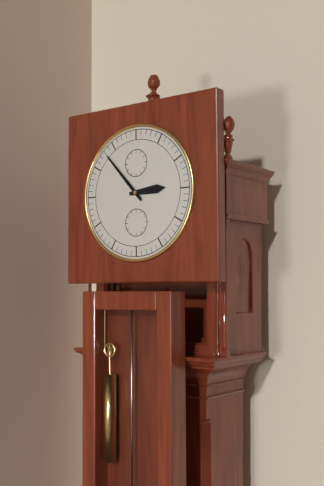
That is 2 h 53 min
